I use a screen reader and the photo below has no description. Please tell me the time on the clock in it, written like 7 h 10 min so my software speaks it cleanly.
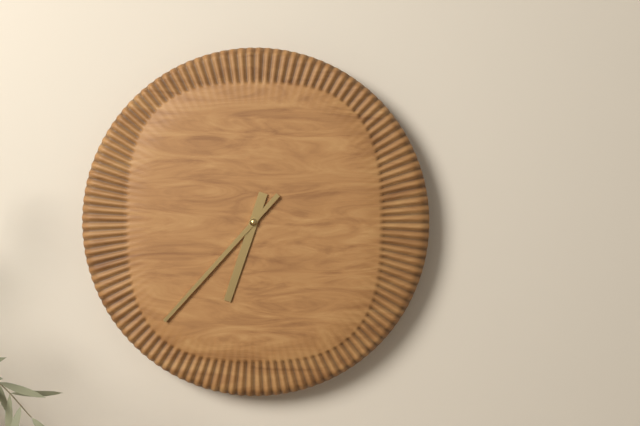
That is 6 h 37 min
